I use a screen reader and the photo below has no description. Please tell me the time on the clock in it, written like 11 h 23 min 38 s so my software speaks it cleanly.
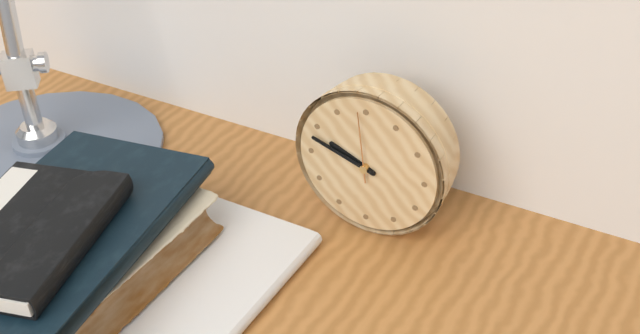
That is 9 h 48 min 59 s
